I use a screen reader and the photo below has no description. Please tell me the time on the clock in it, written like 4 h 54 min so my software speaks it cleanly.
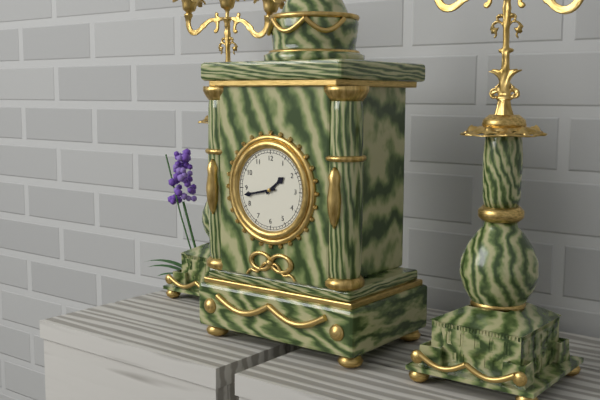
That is 1 h 43 min
